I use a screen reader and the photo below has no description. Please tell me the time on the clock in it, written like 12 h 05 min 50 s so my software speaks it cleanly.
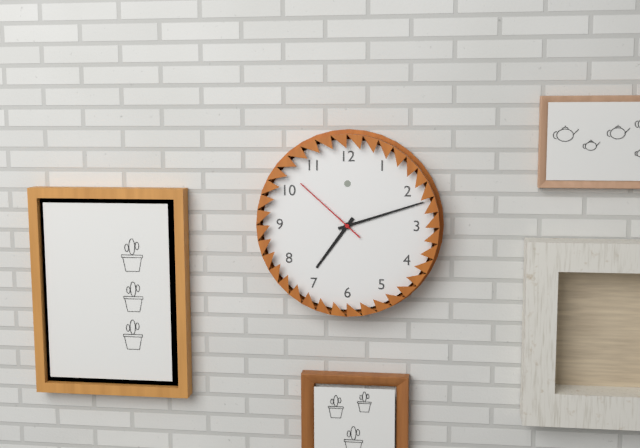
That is 7 h 12 min 52 s
